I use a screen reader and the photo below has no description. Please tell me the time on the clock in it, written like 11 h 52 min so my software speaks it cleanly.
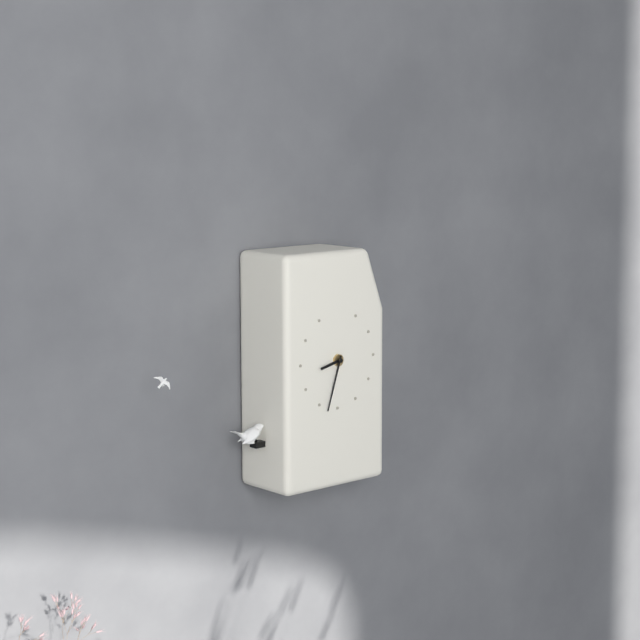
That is 8 h 33 min
